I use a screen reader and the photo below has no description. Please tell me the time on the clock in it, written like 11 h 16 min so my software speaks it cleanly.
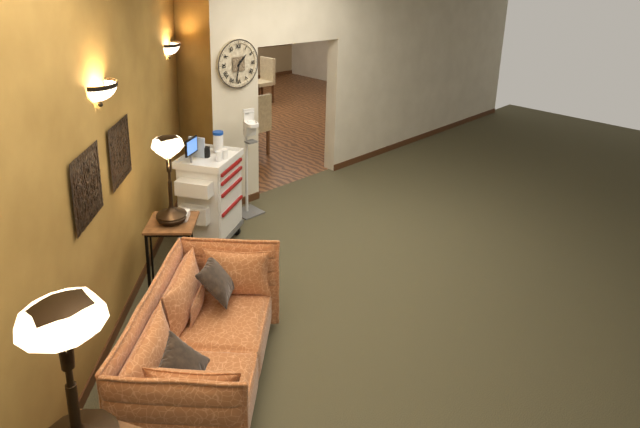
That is 1 h 32 min
